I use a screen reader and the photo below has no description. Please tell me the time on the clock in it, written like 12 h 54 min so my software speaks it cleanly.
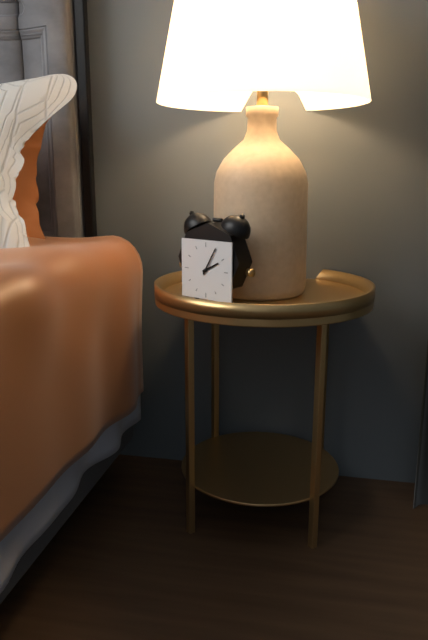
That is 2 h 05 min
